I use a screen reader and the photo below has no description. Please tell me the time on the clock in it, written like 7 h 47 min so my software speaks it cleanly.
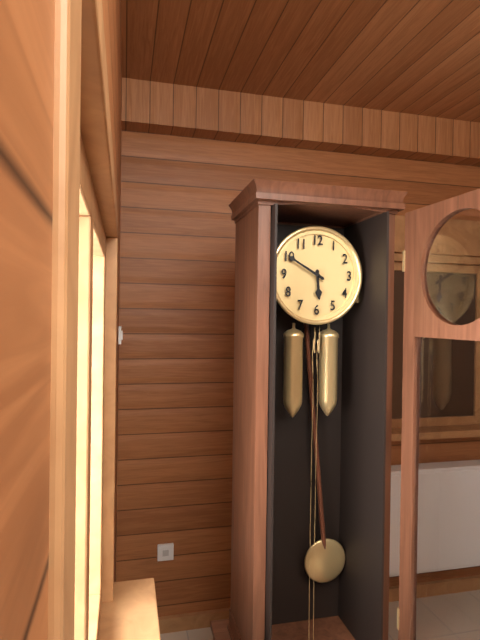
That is 5 h 50 min
